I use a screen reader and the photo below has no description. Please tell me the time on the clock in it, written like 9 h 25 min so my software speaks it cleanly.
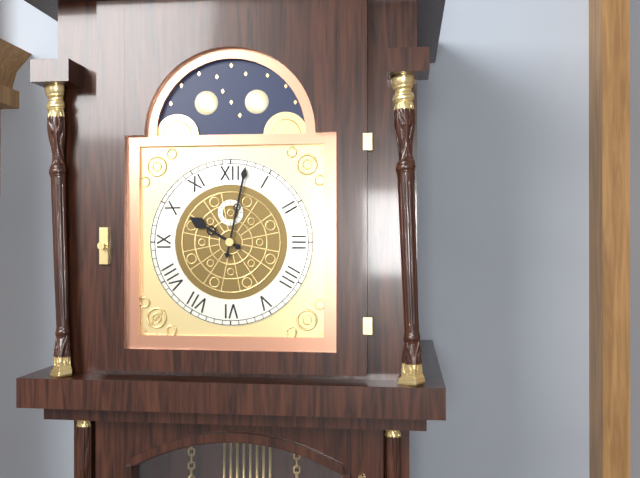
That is 10 h 02 min
